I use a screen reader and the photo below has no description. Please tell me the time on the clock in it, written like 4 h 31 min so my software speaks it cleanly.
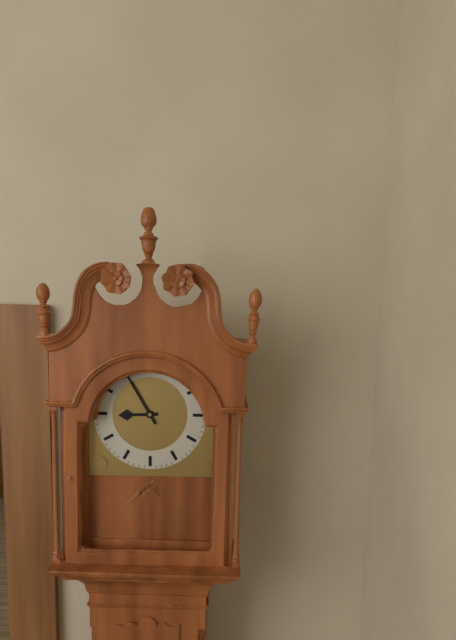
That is 8 h 55 min
